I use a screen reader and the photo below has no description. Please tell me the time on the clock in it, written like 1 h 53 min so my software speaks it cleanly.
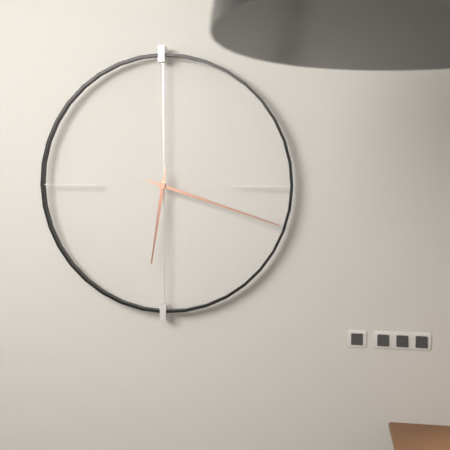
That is 6 h 18 min
